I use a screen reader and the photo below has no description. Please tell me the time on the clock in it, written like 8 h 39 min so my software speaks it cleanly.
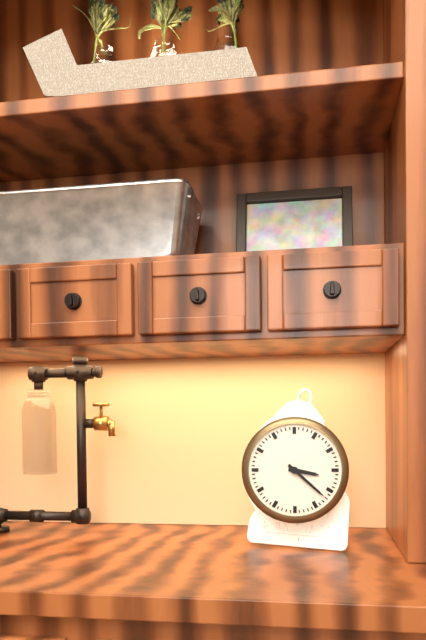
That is 3 h 22 min
